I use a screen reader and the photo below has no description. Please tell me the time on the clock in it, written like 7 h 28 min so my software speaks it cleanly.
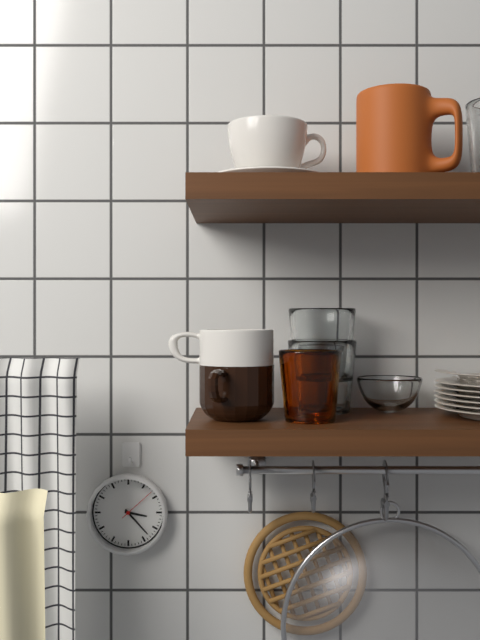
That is 3 h 23 min
